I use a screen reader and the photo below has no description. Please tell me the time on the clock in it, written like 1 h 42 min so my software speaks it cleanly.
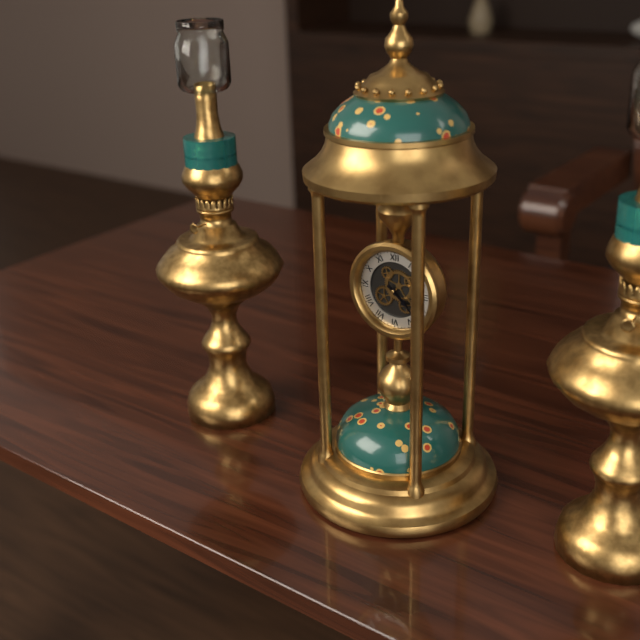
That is 4 h 22 min
